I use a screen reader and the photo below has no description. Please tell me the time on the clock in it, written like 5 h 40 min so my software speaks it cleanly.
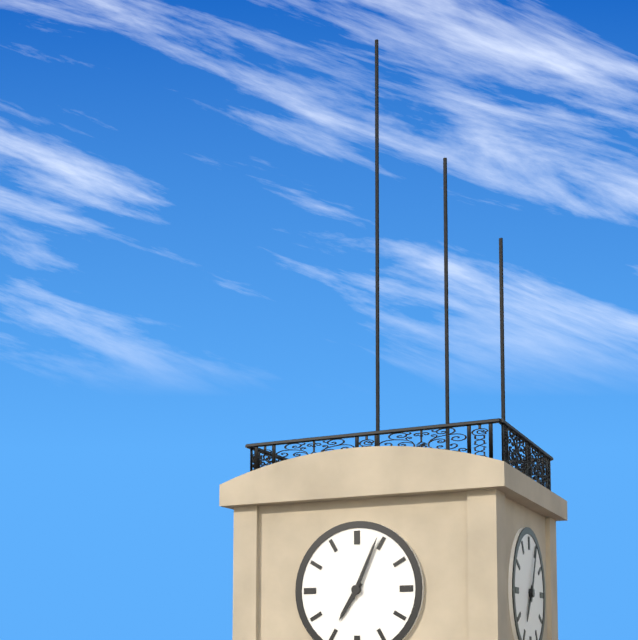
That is 7 h 04 min
